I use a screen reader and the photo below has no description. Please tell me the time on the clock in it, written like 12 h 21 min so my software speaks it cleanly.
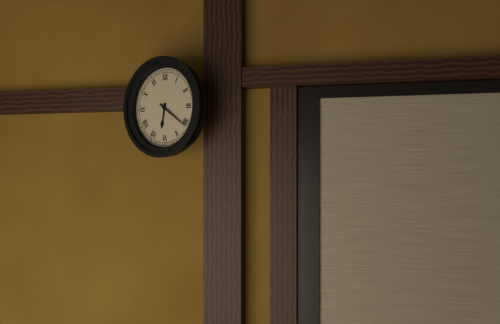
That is 6 h 21 min
